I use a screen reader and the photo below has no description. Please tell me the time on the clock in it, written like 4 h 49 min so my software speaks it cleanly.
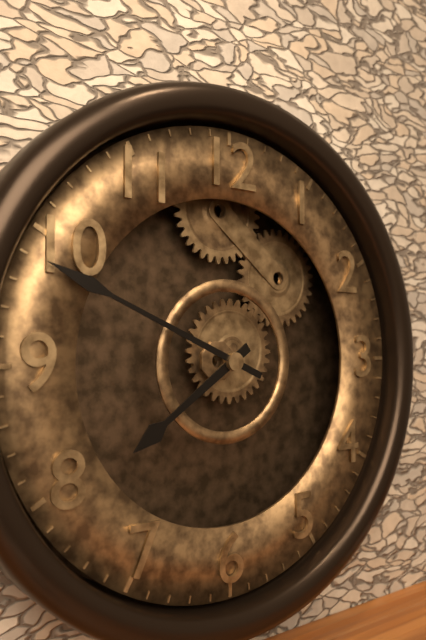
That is 7 h 49 min
